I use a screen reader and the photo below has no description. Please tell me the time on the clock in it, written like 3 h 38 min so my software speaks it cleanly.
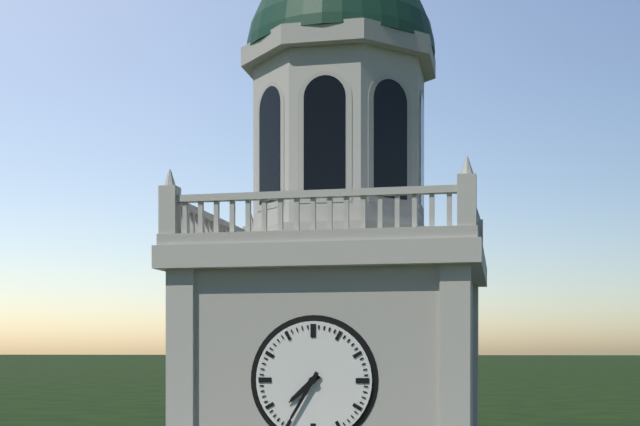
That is 7 h 35 min
